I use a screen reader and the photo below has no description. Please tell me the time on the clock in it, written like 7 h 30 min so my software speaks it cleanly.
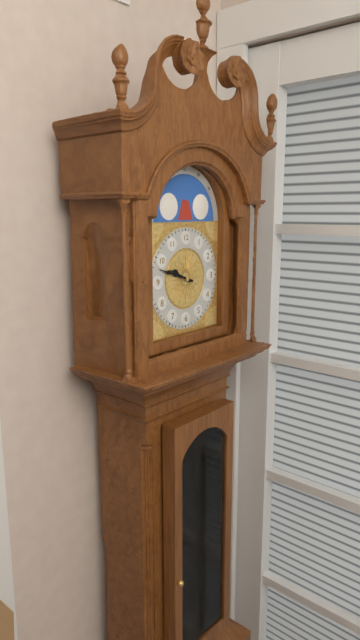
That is 9 h 48 min
